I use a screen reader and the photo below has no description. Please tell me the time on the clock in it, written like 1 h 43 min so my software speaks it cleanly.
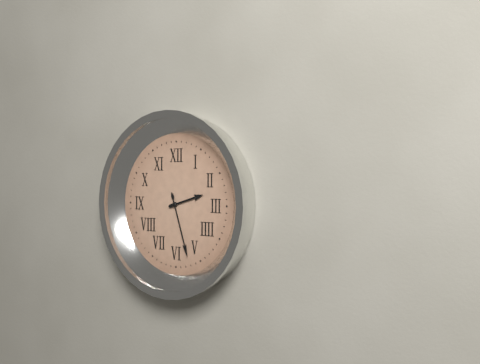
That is 2 h 27 min
